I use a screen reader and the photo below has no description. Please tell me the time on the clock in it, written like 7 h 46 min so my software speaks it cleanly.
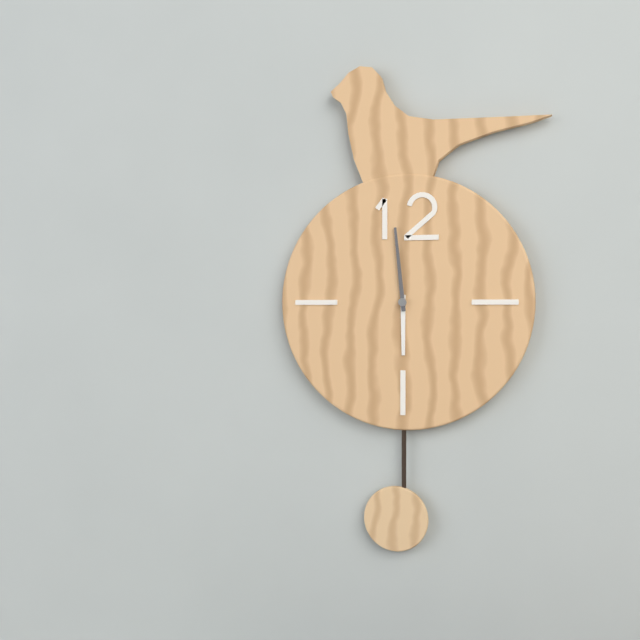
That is 5 h 59 min
